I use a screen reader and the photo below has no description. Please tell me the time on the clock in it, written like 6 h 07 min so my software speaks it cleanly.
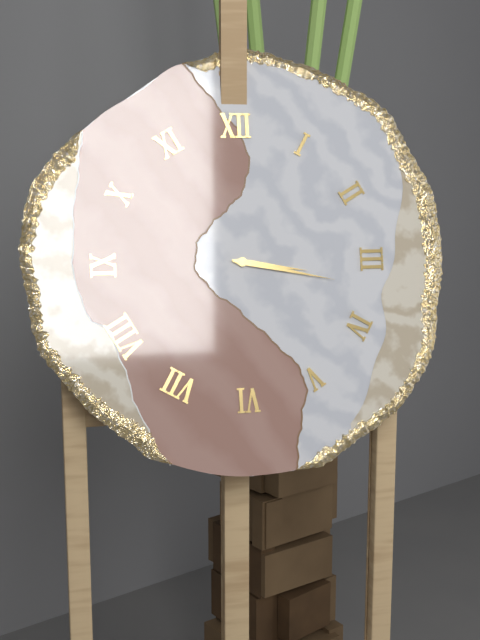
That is 3 h 17 min
